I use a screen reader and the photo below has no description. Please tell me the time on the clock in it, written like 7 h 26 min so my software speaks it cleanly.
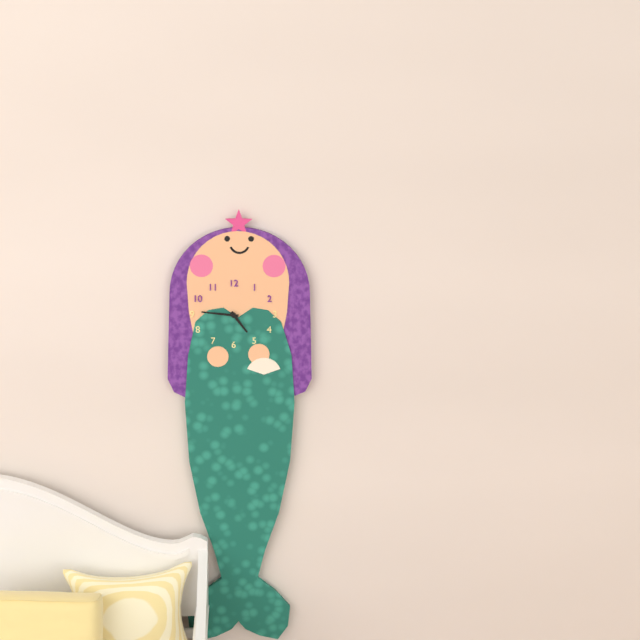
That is 4 h 46 min
